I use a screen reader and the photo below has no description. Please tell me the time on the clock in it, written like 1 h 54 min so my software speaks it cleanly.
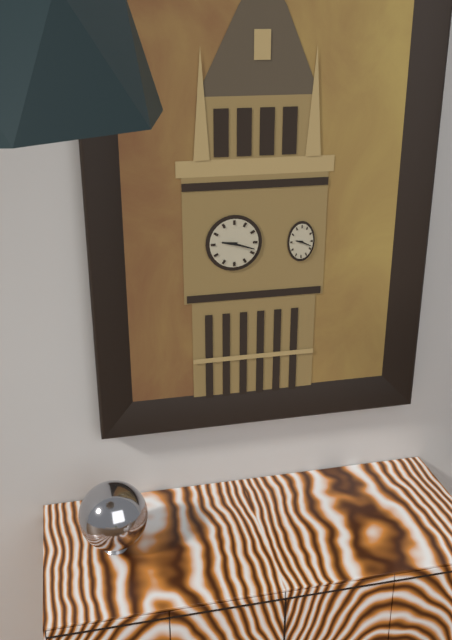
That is 9 h 18 min
